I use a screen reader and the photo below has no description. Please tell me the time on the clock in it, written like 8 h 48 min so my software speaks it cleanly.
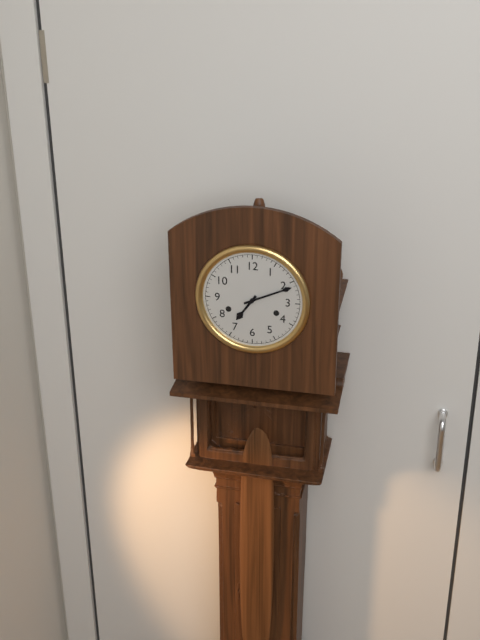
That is 7 h 11 min
